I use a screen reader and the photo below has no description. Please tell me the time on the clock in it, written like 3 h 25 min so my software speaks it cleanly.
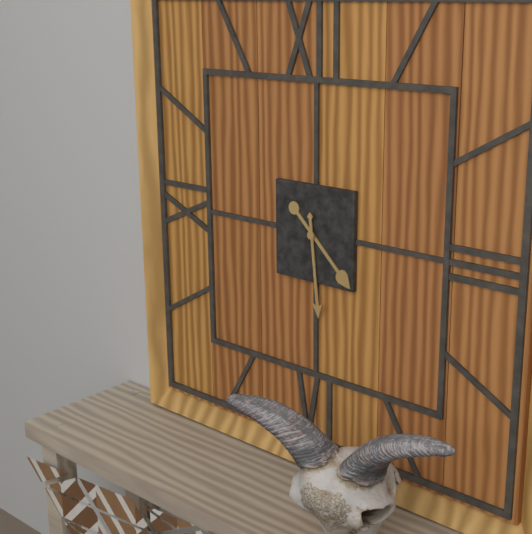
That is 4 h 29 min
